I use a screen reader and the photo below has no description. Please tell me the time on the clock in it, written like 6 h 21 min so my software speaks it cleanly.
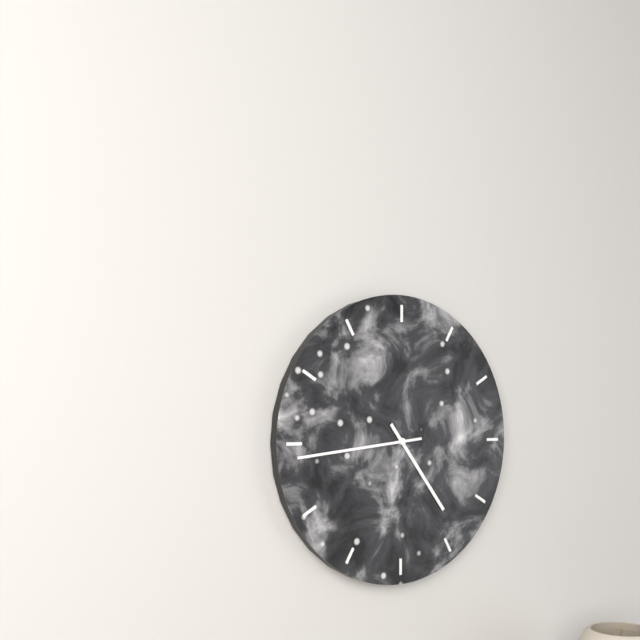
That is 4 h 44 min
